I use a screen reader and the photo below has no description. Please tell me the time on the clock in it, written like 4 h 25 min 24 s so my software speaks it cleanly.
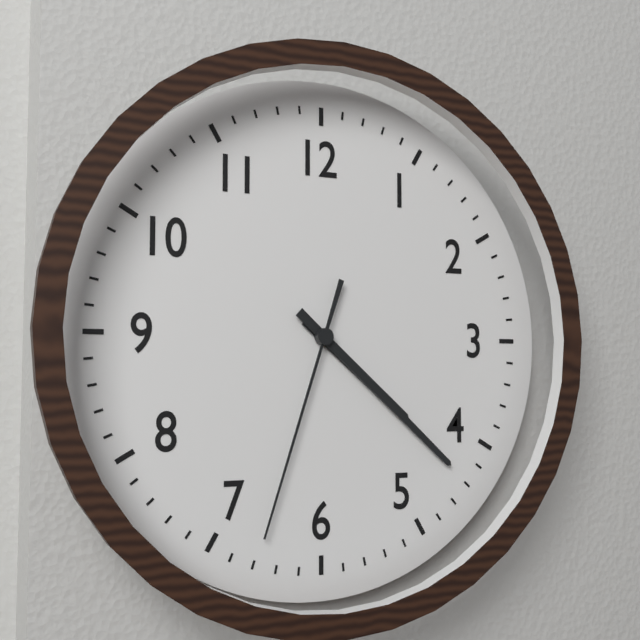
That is 4 h 22 min 33 s
